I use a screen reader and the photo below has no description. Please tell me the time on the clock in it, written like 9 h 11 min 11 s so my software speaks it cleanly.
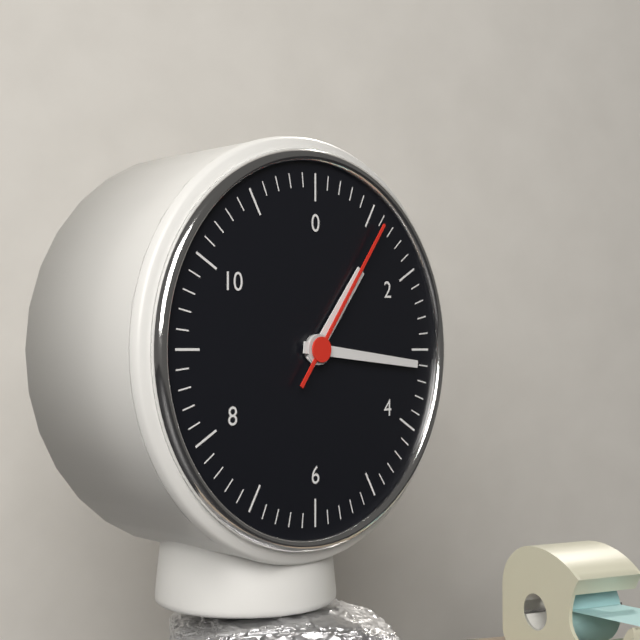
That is 1 h 16 min 06 s
